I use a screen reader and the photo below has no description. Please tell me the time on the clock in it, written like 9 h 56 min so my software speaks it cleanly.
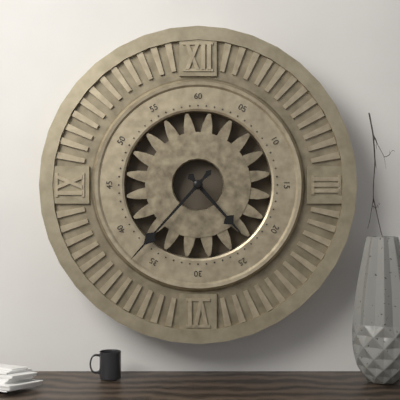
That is 4 h 37 min
